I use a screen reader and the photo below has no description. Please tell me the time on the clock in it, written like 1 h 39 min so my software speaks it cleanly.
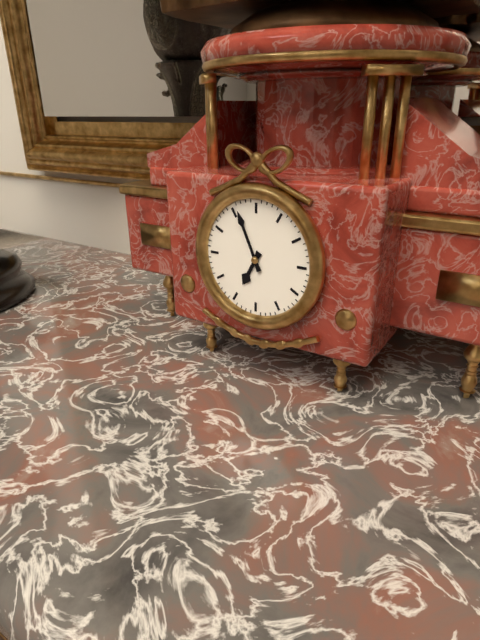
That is 6 h 56 min
